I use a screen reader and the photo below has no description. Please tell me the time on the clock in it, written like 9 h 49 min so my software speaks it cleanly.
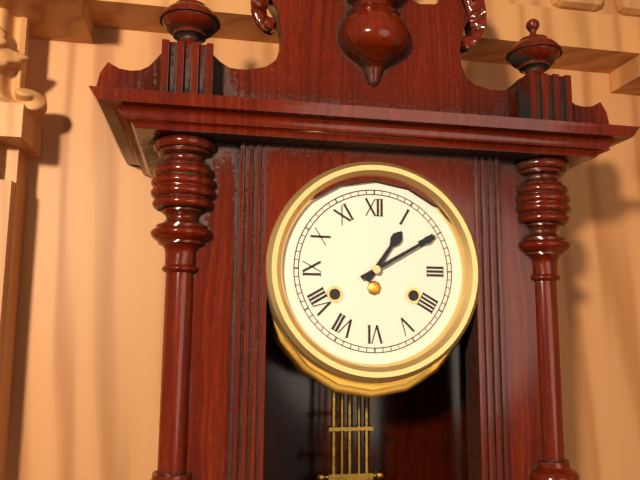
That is 1 h 10 min
